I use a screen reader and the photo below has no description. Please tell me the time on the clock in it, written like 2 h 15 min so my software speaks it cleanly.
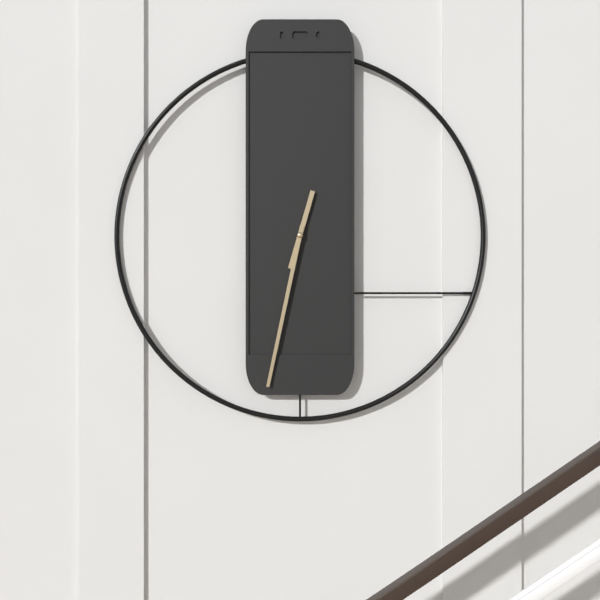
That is 12 h 32 min
